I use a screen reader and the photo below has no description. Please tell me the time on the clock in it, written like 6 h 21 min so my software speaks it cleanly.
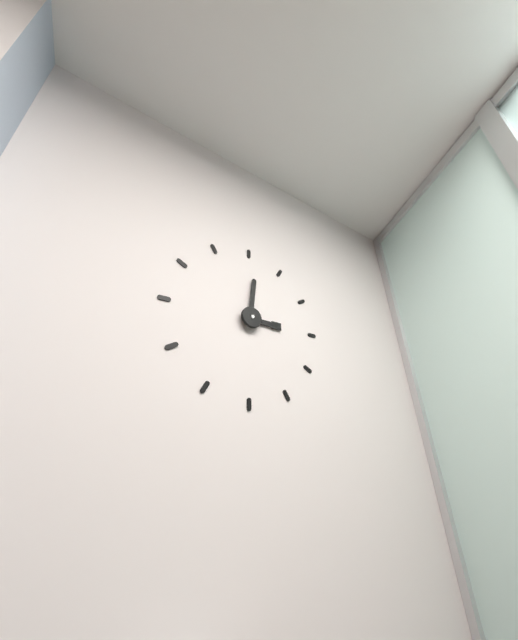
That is 3 h 01 min
